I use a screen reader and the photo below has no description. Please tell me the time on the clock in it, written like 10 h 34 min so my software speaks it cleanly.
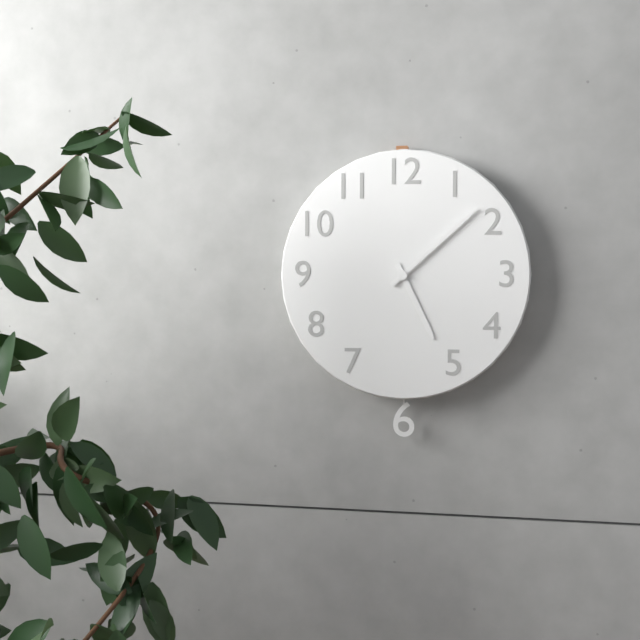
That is 5 h 08 min
